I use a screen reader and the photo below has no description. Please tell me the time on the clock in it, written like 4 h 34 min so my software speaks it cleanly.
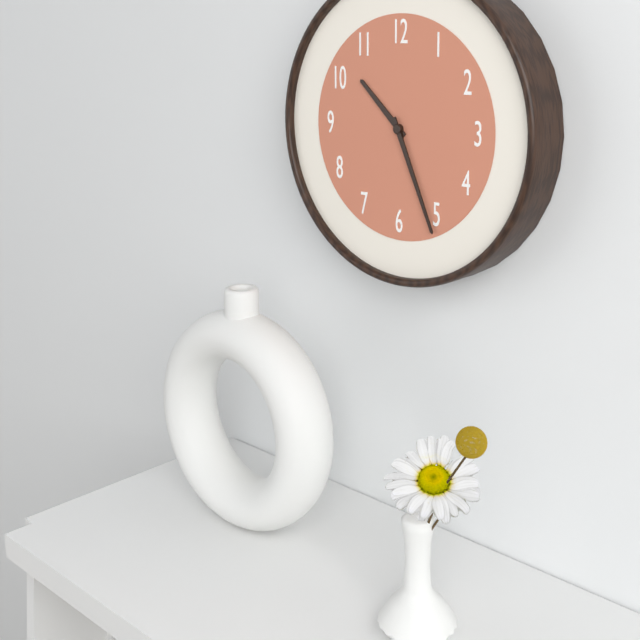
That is 10 h 26 min
